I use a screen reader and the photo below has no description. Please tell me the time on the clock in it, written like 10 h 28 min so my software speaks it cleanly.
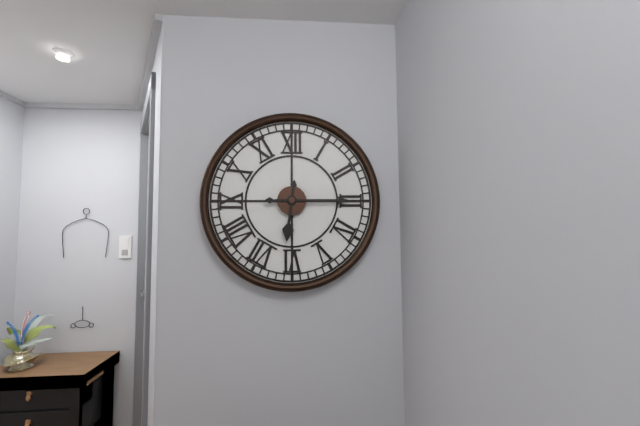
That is 6 h 15 min
